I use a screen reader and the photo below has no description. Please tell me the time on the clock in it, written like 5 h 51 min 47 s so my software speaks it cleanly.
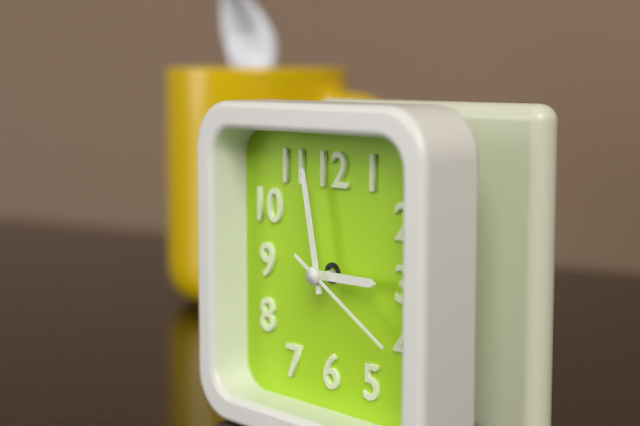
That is 2 h 58 min 20 s
